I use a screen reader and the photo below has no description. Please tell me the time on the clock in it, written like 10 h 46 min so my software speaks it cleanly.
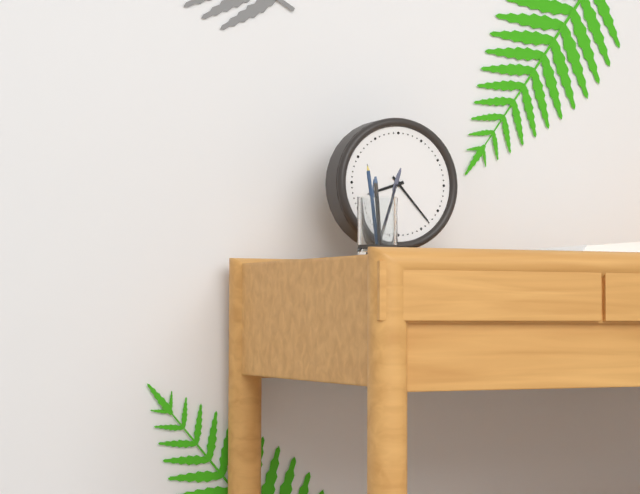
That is 8 h 23 min
